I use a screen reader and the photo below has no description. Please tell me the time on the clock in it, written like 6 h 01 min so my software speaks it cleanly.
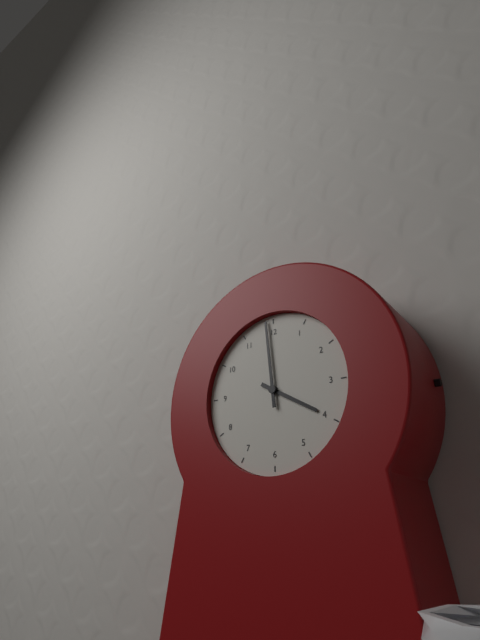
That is 3 h 59 min
